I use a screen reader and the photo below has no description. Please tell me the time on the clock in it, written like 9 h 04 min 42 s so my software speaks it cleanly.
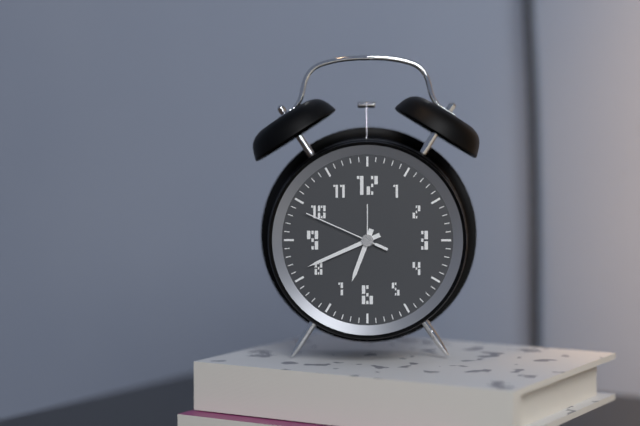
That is 6 h 41 min 49 s
